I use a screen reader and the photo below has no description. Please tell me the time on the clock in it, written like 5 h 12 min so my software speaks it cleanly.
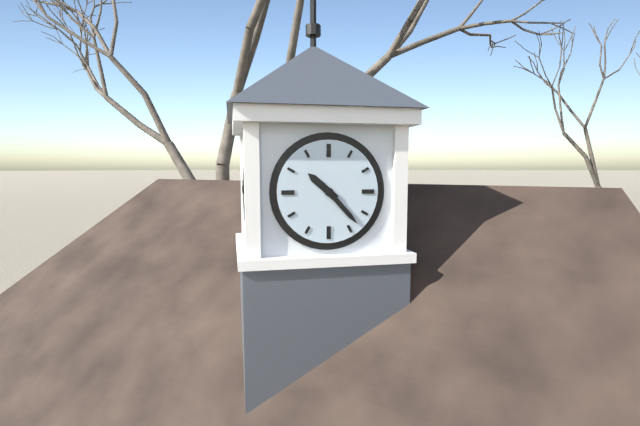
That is 10 h 23 min
